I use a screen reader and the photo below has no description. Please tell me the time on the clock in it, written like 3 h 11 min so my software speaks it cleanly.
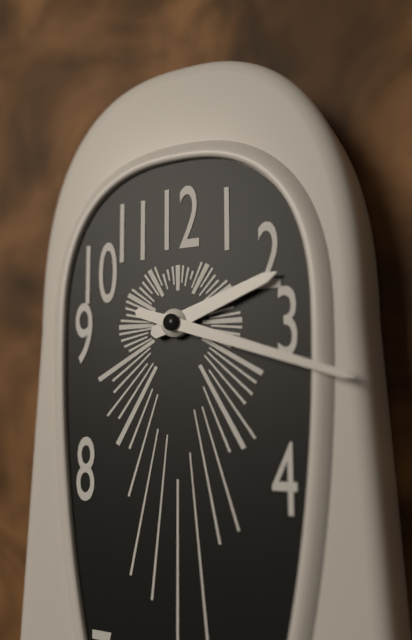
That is 2 h 18 min
